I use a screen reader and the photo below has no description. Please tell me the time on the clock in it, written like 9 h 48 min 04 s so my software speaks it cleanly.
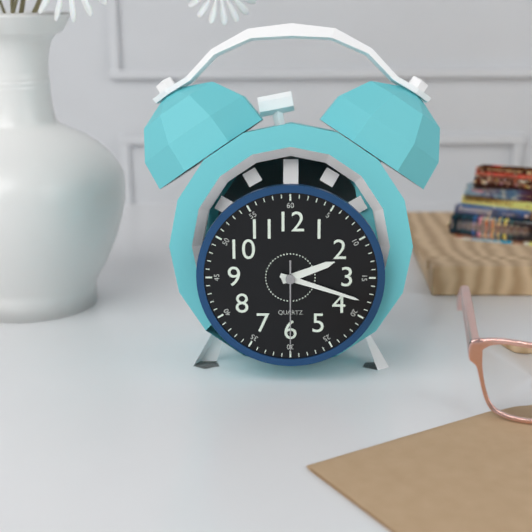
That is 2 h 18 min 30 s
